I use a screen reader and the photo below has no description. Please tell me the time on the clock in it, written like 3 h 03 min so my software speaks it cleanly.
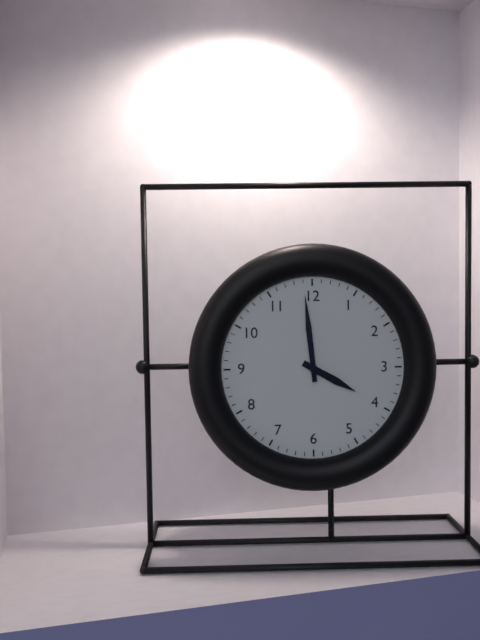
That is 3 h 59 min
